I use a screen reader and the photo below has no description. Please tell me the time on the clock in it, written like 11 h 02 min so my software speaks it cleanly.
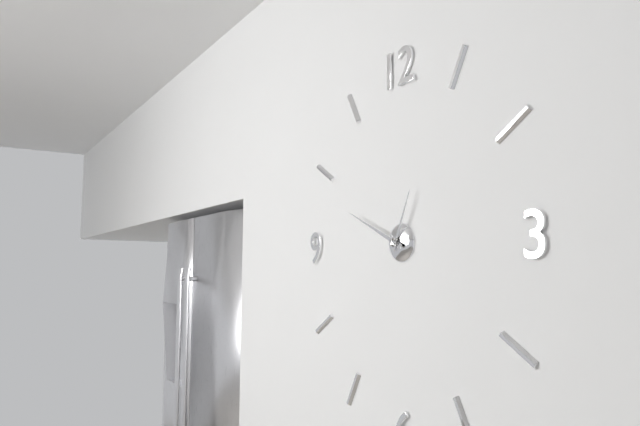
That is 12 h 49 min
